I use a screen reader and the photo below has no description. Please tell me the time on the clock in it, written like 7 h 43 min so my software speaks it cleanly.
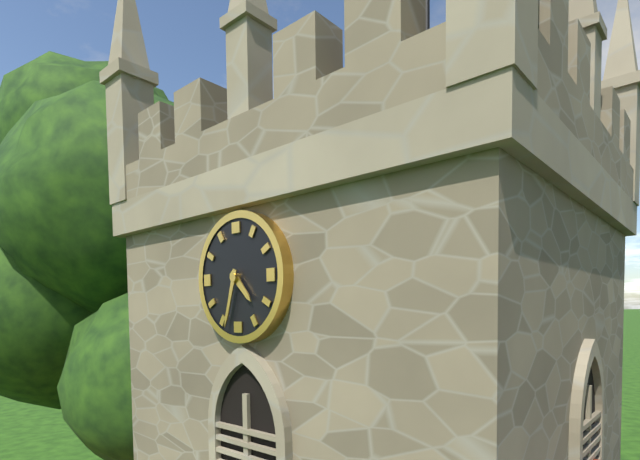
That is 4 h 33 min
